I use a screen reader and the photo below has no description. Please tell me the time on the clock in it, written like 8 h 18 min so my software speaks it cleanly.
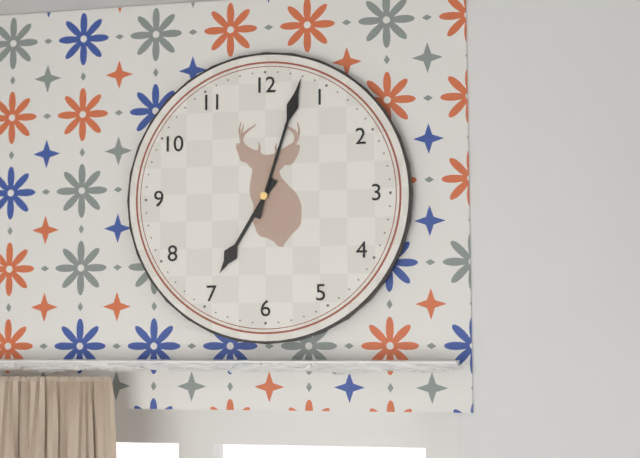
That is 7 h 03 min
